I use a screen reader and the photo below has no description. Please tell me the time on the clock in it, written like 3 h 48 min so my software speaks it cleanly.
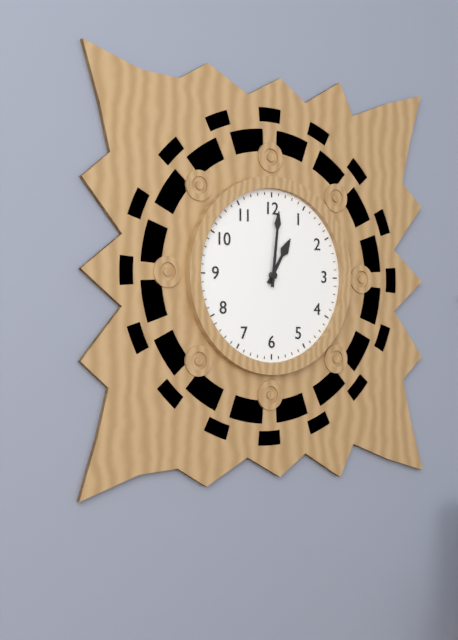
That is 1 h 01 min
